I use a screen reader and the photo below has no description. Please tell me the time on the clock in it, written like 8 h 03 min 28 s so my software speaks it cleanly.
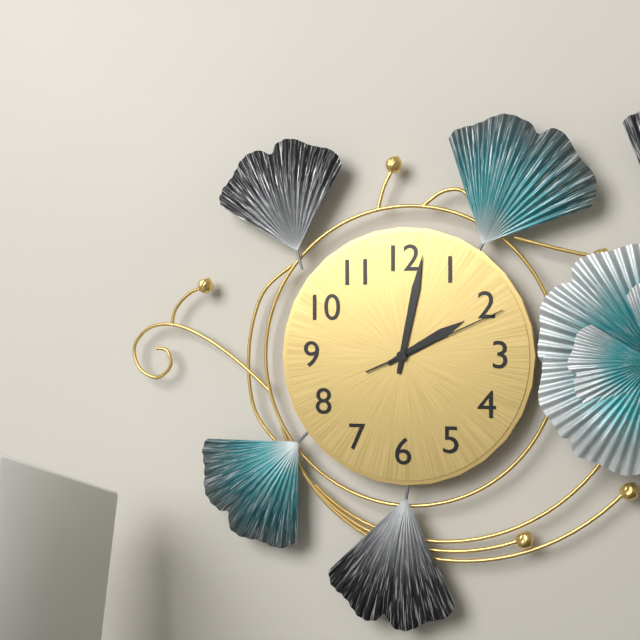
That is 2 h 02 min 11 s
